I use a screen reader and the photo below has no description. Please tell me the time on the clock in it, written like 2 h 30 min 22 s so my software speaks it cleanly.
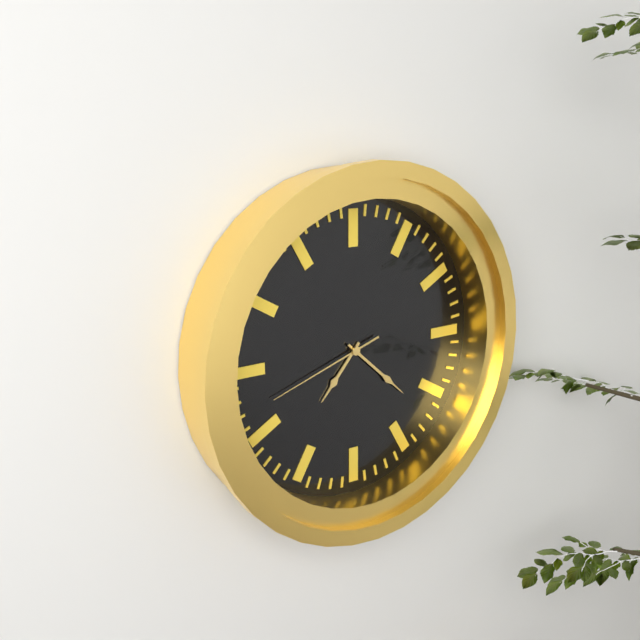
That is 7 h 22 min 42 s
